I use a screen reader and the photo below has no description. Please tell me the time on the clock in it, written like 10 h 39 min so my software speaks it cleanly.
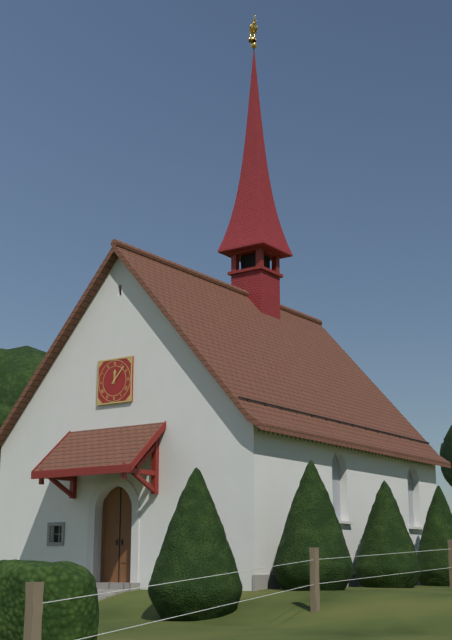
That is 12 h 07 min
